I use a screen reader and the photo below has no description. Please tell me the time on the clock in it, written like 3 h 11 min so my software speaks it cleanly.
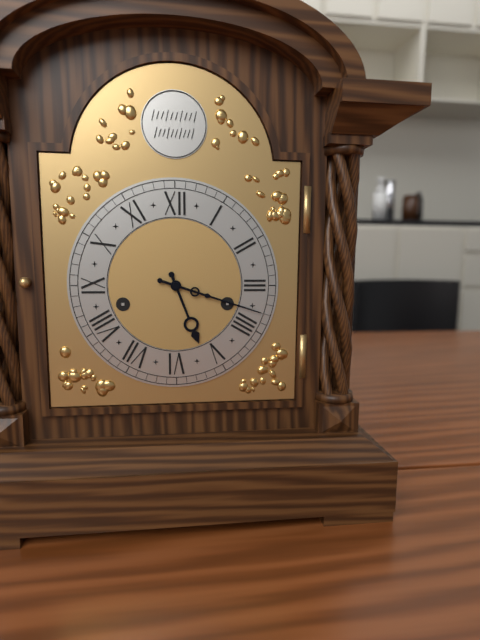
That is 5 h 18 min
